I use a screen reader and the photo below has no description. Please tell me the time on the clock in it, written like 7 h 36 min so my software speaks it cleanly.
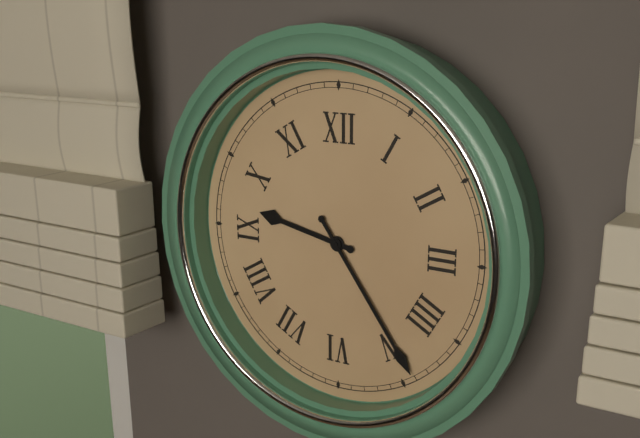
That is 9 h 24 min
